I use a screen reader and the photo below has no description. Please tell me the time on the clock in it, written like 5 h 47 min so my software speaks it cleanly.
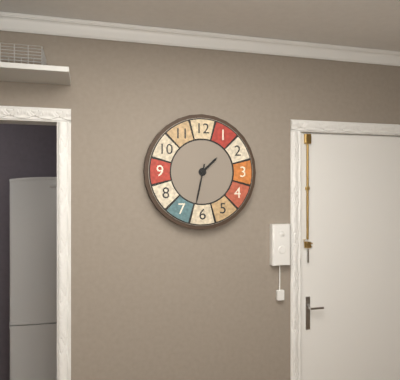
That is 1 h 32 min
